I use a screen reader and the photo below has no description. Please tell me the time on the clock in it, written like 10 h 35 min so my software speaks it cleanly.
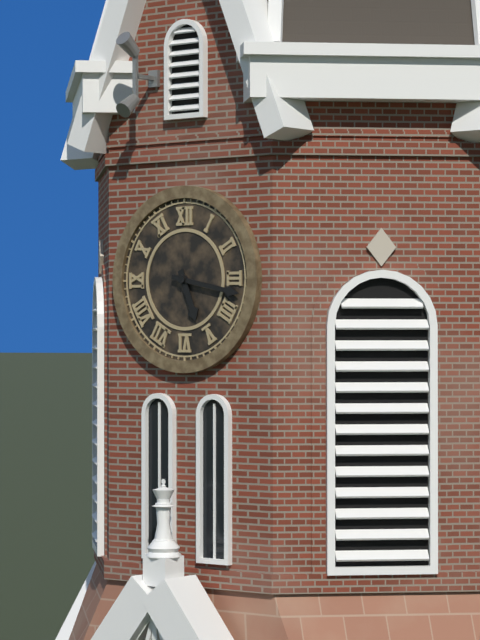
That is 5 h 17 min
